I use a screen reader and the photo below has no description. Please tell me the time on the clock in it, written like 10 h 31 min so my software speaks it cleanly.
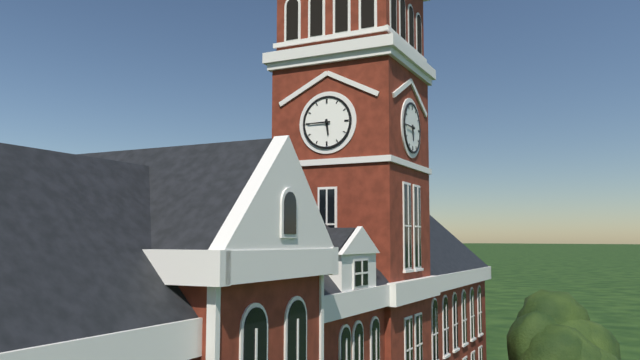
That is 5 h 45 min
